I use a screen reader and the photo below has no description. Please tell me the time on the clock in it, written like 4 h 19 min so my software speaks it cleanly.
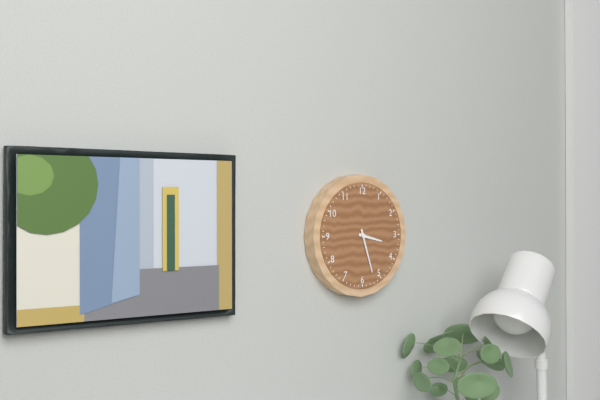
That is 3 h 27 min
